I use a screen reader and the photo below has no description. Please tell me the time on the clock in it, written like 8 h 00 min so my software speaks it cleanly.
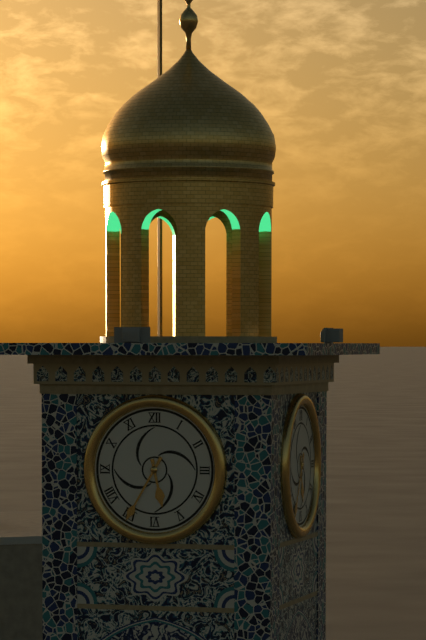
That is 5 h 35 min
